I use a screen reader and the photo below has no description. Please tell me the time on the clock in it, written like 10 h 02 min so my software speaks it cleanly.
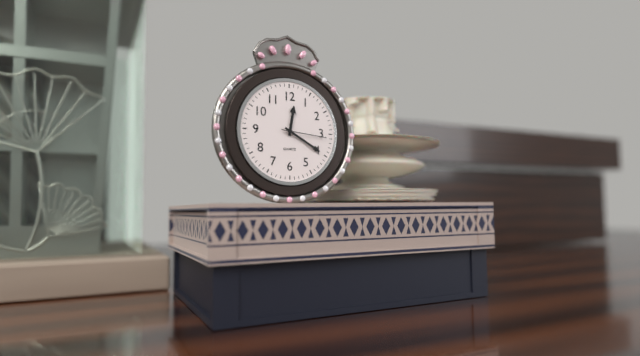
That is 12 h 20 min
